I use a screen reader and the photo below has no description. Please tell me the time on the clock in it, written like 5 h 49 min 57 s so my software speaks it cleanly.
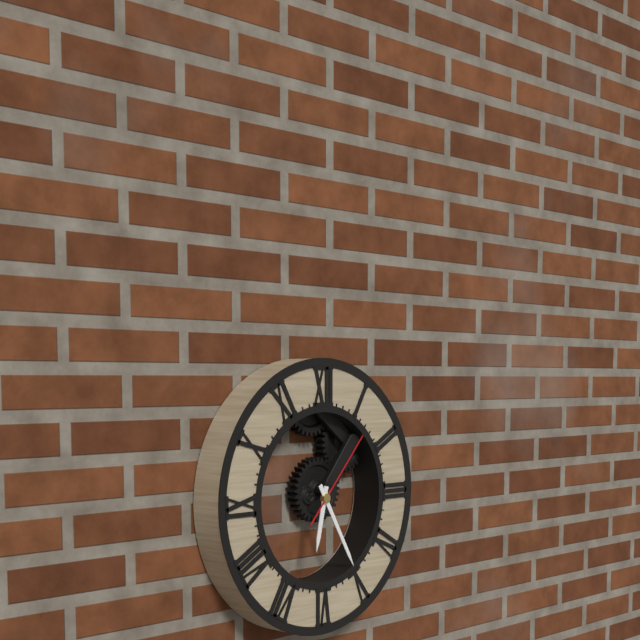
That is 6 h 25 min 07 s
